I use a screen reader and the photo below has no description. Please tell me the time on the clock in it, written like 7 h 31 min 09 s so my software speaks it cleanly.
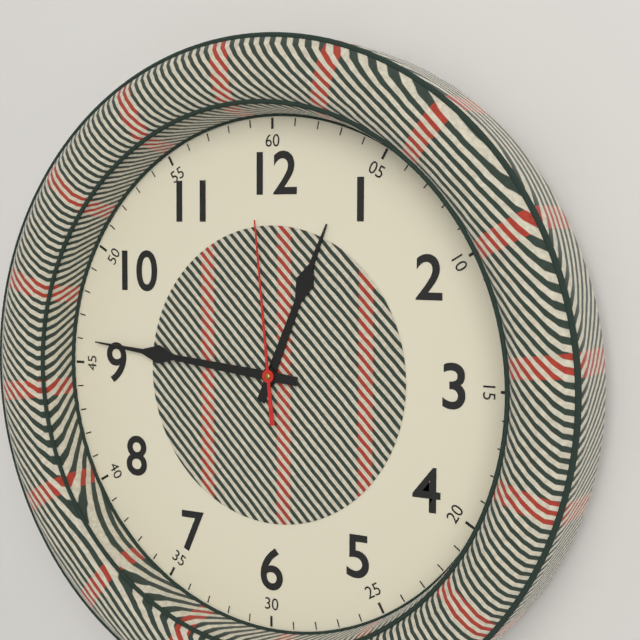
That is 12 h 46 min 59 s
